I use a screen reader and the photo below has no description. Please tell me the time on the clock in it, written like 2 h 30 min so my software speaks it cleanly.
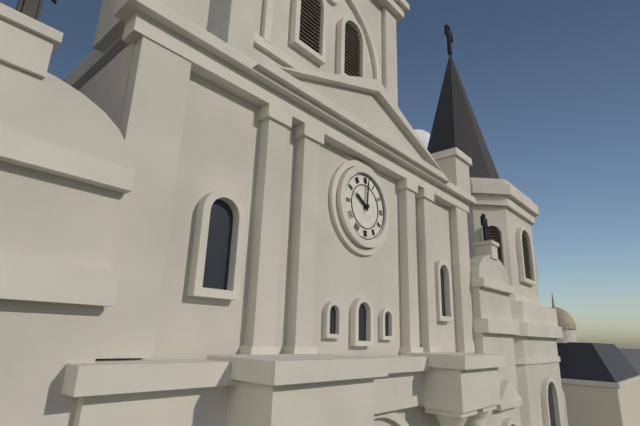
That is 10 h 01 min
